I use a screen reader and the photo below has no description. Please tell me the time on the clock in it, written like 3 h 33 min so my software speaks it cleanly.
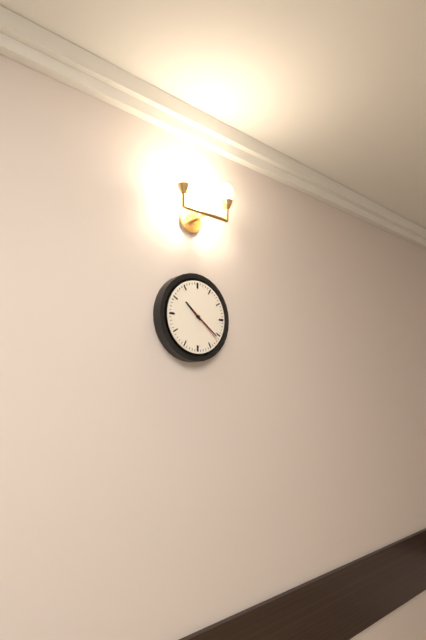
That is 10 h 21 min
